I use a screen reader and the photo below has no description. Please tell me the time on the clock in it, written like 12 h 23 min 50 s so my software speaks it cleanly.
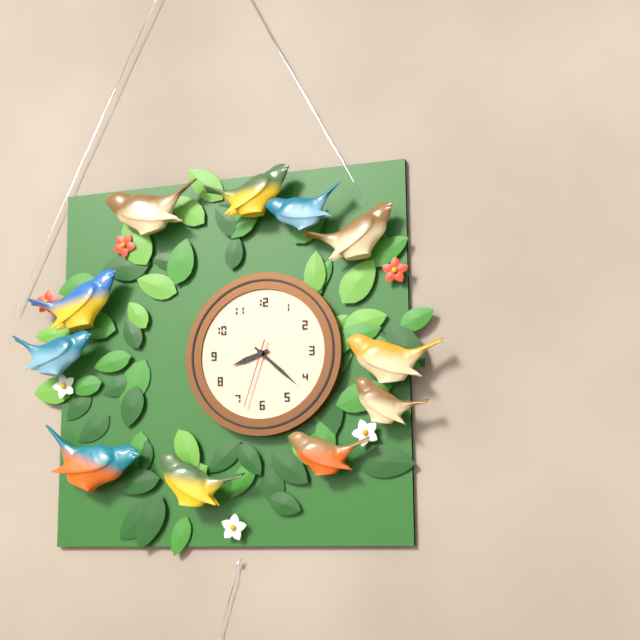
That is 8 h 22 min 33 s
